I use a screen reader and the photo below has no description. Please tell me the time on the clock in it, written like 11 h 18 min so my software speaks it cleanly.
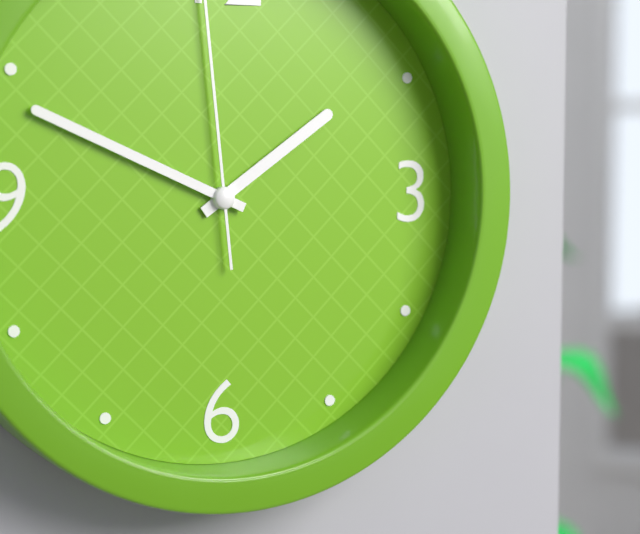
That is 1 h 49 min
